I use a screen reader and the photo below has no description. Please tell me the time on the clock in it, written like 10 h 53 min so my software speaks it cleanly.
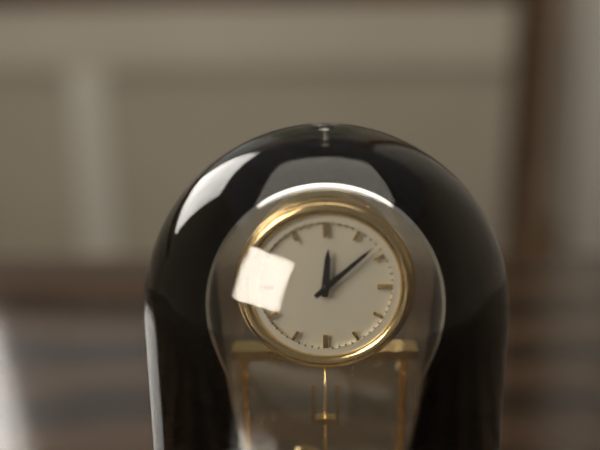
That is 12 h 08 min
